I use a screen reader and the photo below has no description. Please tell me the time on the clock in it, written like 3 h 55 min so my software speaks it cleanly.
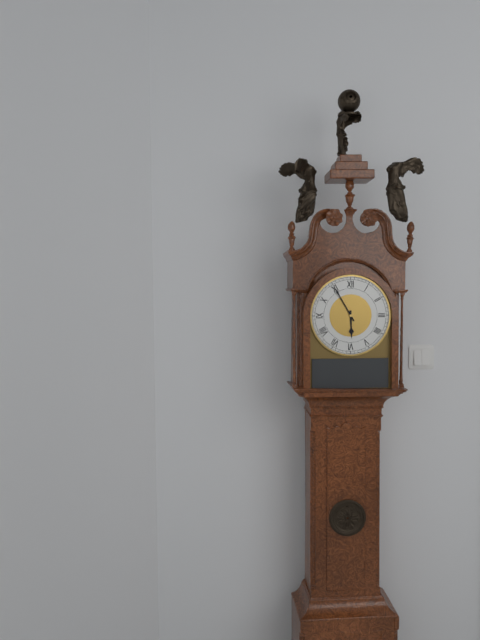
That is 5 h 55 min
